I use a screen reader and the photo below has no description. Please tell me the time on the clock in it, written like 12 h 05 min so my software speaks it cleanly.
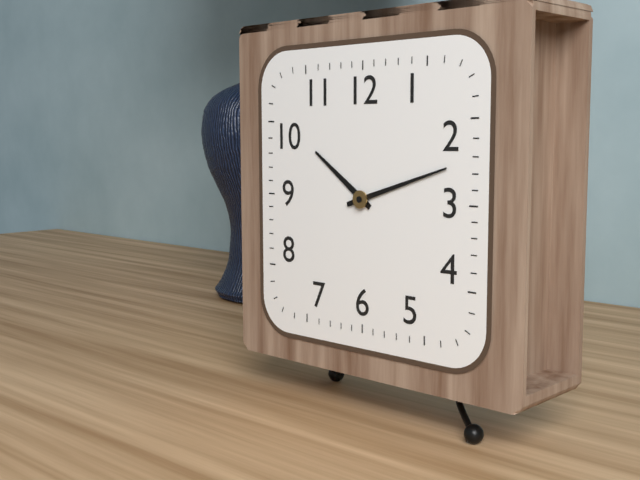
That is 10 h 12 min
